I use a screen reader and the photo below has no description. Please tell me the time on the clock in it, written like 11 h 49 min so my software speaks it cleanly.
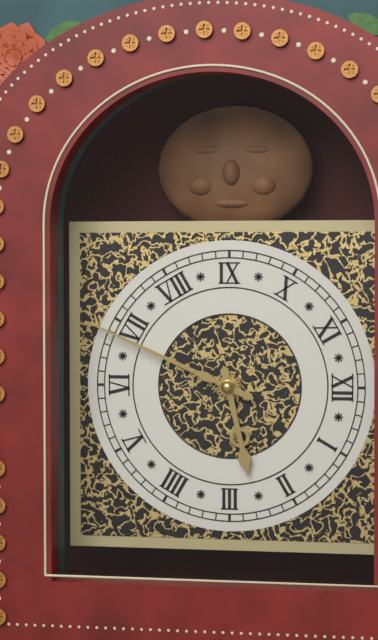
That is 2 h 34 min
